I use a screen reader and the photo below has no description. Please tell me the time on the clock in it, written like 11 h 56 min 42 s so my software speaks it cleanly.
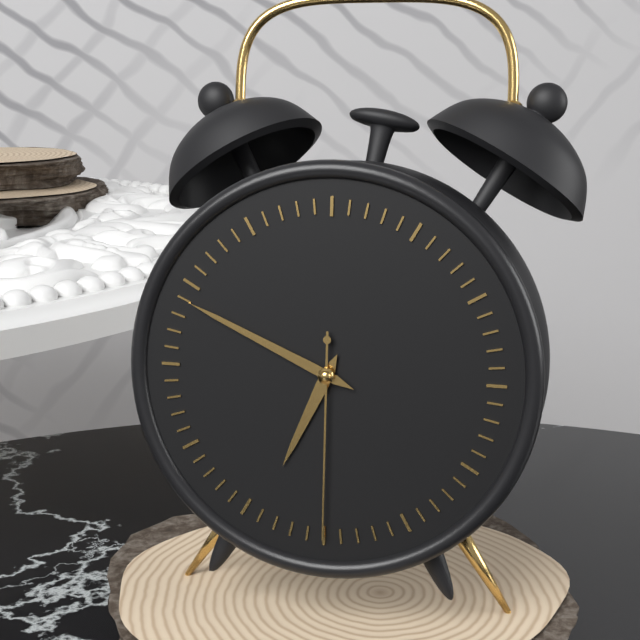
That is 6 h 49 min 30 s
